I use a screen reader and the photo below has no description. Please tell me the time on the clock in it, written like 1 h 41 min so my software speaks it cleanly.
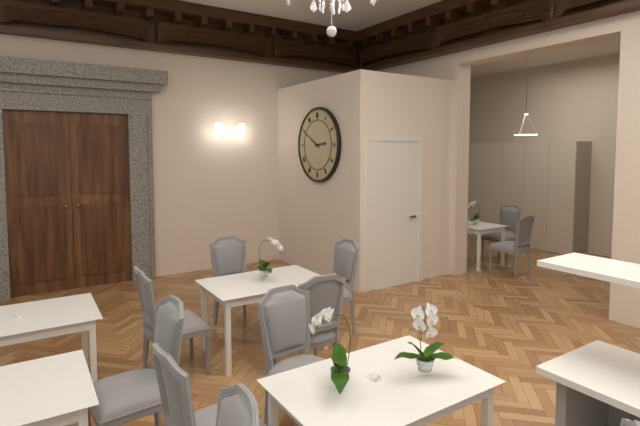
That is 2 h 50 min
